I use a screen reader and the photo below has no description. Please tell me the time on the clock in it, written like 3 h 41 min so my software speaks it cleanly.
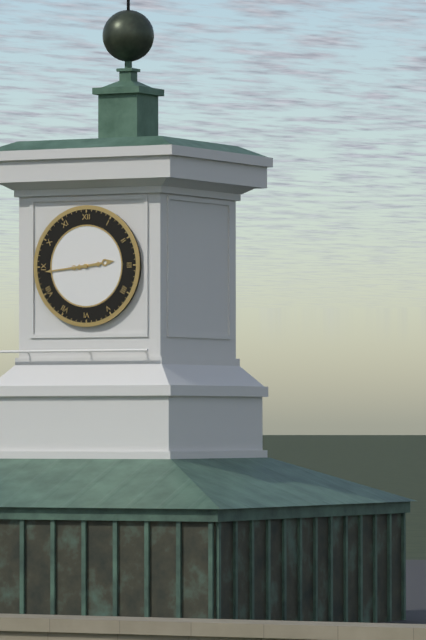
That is 2 h 44 min
